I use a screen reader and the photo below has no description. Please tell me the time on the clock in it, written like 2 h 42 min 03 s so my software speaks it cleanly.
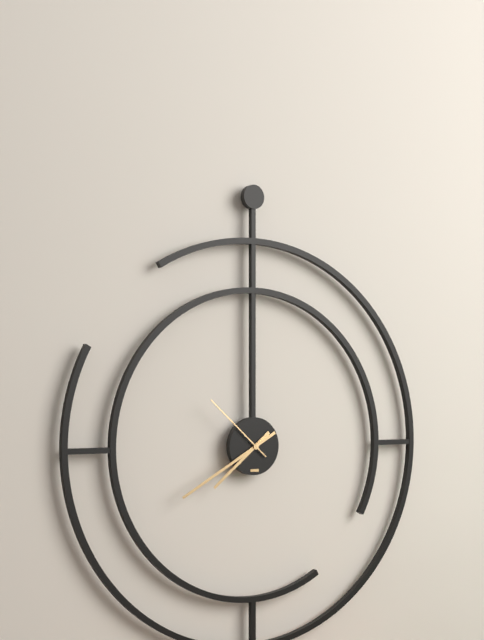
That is 7 h 40 min 52 s
